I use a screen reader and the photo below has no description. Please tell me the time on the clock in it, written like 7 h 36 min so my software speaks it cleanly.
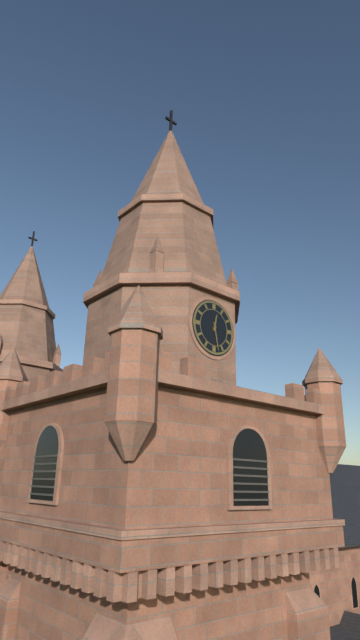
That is 12 h 28 min
